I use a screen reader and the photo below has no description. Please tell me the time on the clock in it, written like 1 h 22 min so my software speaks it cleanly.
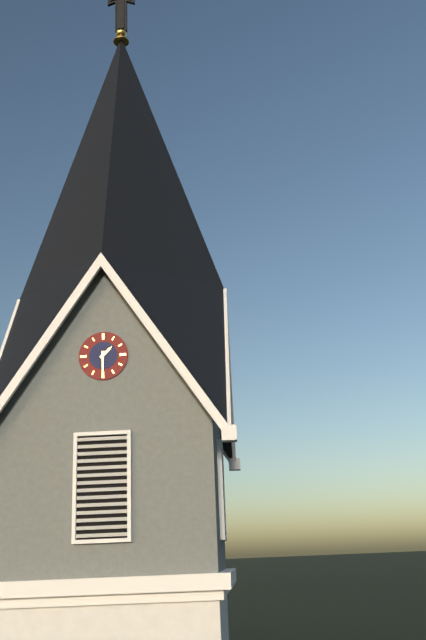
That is 1 h 30 min
